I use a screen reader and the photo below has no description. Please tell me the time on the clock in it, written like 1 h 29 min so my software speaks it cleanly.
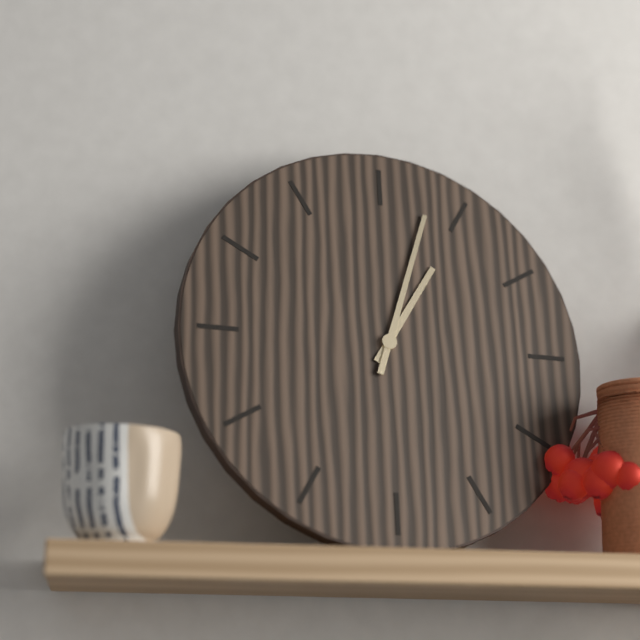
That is 1 h 03 min
